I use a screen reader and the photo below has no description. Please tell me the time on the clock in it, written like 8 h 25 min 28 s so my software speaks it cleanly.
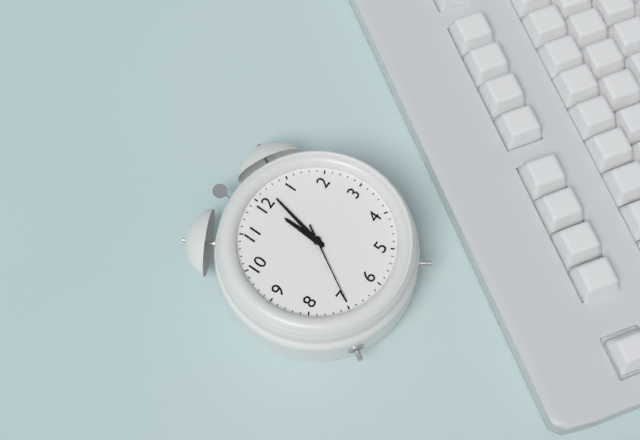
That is 12 h 02 min 35 s
